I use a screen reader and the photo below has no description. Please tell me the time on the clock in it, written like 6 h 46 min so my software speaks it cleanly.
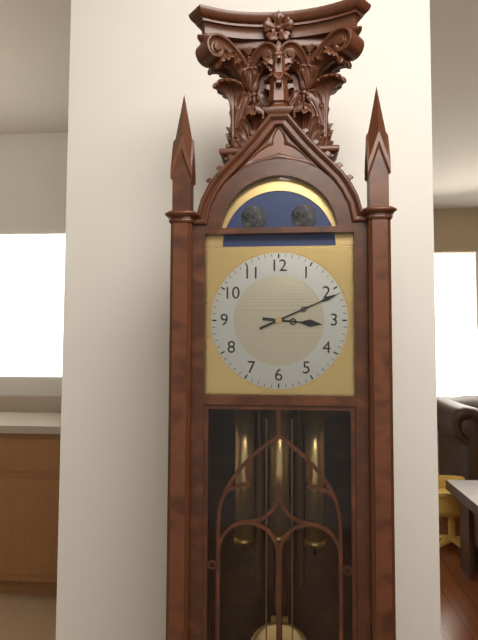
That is 3 h 11 min
